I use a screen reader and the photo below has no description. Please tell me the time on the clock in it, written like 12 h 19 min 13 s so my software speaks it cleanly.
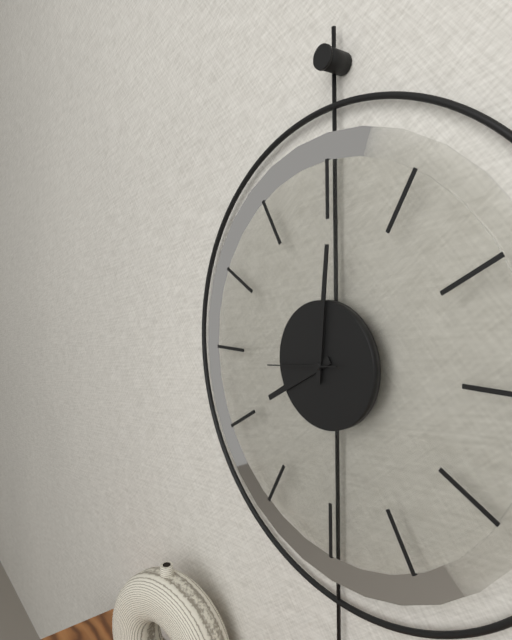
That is 8 h 01 min 44 s
